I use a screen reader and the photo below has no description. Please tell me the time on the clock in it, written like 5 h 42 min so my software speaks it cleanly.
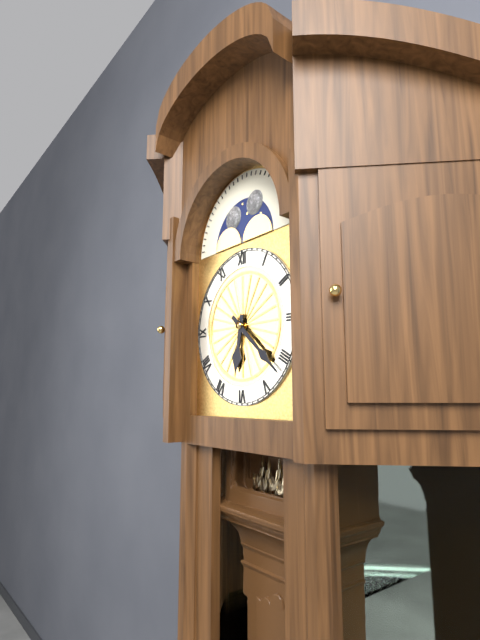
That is 6 h 22 min
